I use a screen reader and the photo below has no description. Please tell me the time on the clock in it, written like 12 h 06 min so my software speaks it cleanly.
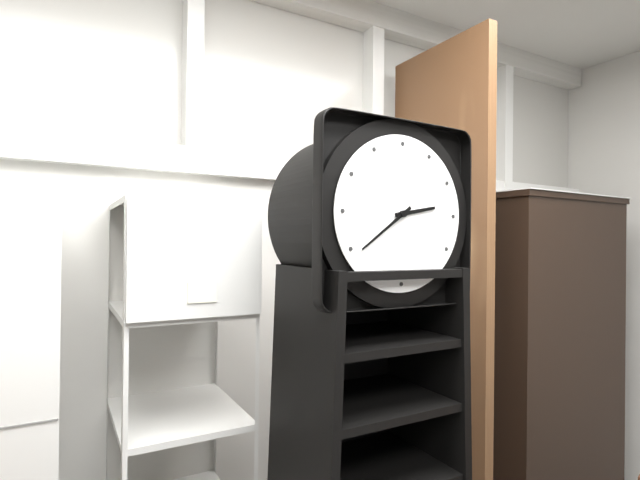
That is 2 h 39 min
